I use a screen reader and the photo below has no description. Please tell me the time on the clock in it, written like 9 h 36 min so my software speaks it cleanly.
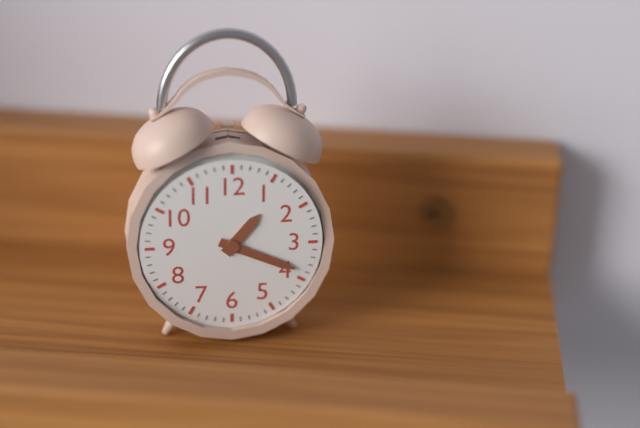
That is 1 h 19 min
